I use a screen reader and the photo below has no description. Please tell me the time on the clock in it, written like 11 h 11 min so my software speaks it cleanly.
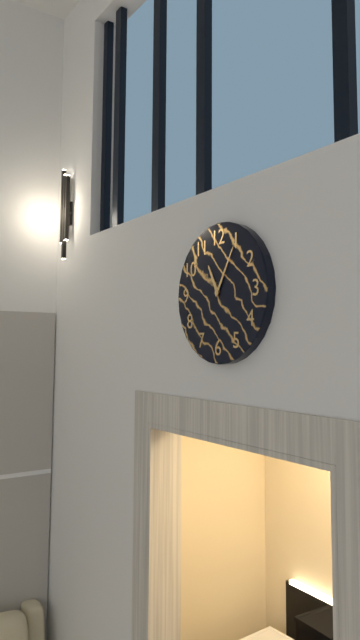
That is 11 h 05 min
